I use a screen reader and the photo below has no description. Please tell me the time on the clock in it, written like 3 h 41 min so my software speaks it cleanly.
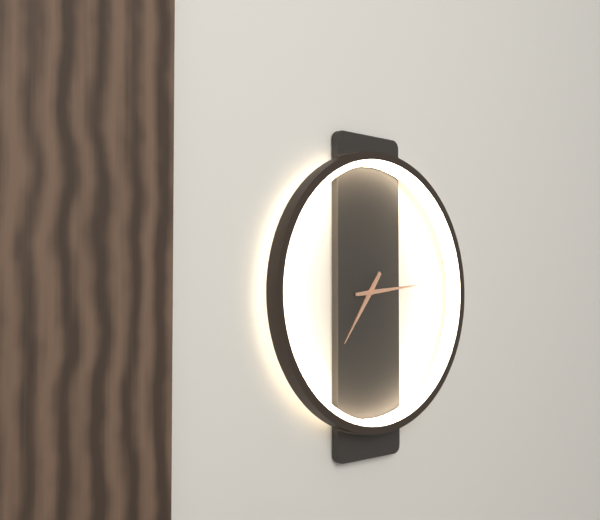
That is 7 h 14 min
